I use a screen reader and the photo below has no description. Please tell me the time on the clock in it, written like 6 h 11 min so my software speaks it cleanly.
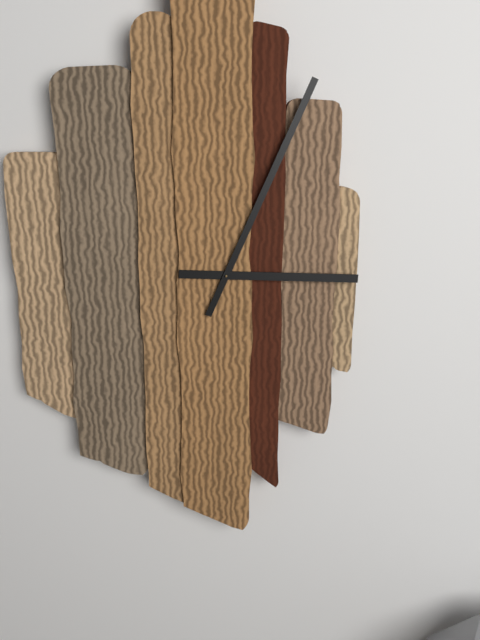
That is 3 h 04 min
